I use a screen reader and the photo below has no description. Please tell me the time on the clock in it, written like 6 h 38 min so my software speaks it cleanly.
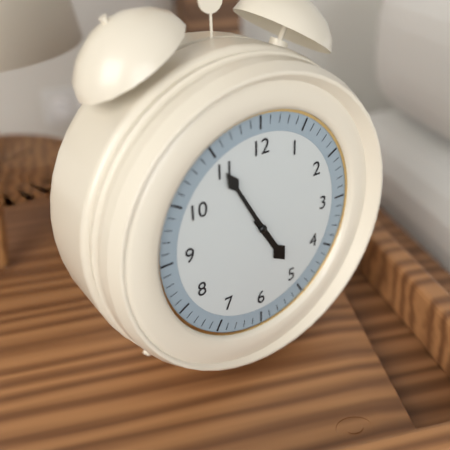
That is 4 h 55 min
